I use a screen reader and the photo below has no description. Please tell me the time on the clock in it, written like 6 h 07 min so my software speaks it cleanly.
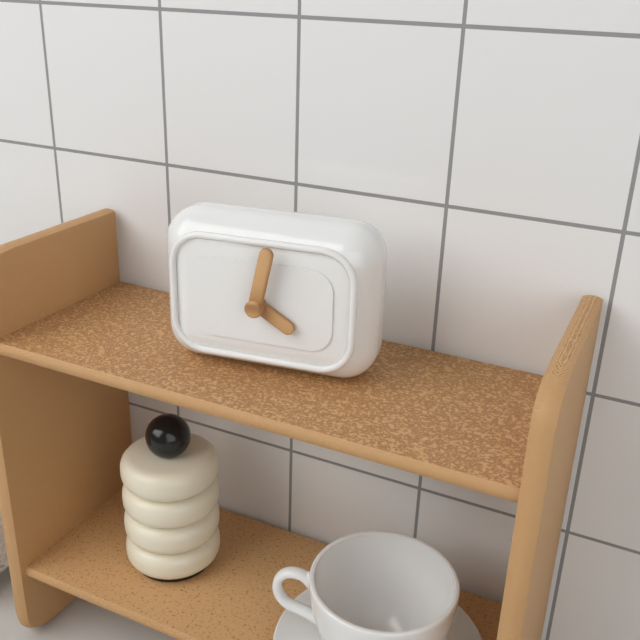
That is 4 h 02 min
